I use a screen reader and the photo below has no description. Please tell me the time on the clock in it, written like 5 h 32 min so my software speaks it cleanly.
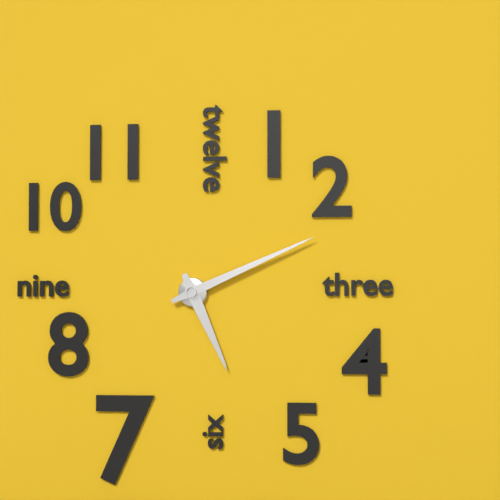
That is 5 h 11 min
